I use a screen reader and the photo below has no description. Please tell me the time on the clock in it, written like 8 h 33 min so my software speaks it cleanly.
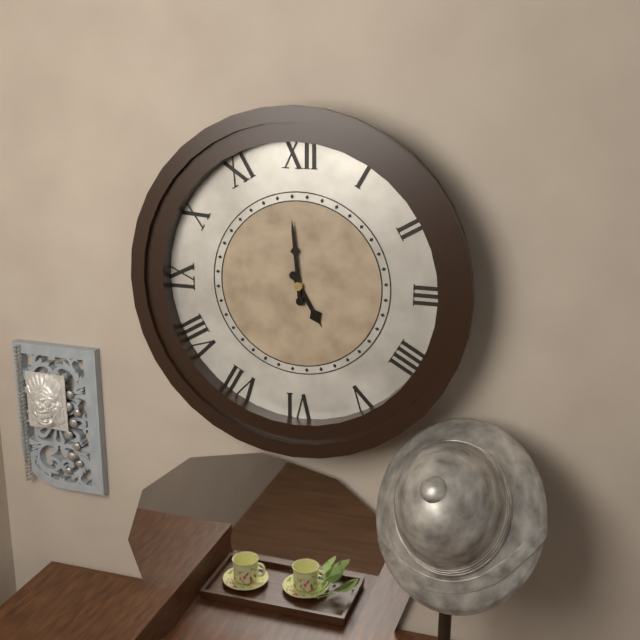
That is 4 h 59 min
